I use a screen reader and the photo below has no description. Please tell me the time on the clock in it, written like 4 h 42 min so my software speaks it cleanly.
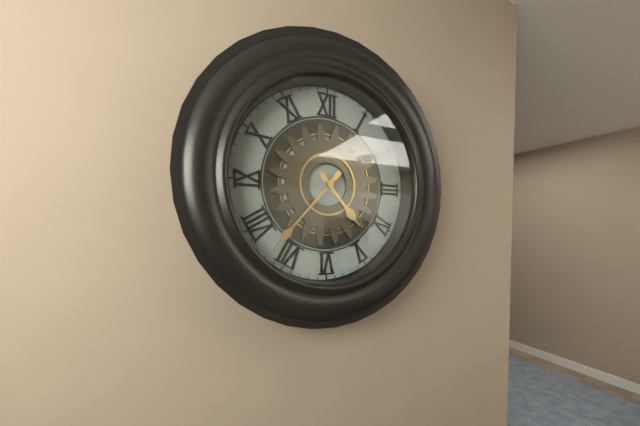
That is 4 h 37 min
